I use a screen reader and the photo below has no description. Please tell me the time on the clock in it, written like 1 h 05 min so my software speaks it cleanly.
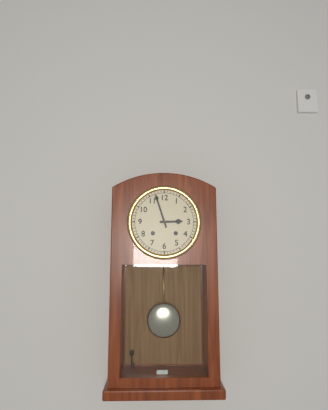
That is 2 h 57 min
